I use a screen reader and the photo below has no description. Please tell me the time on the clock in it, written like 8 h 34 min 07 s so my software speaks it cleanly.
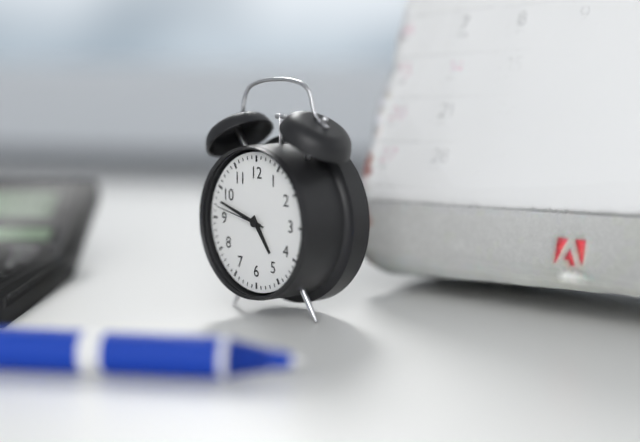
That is 4 h 48 min 47 s
